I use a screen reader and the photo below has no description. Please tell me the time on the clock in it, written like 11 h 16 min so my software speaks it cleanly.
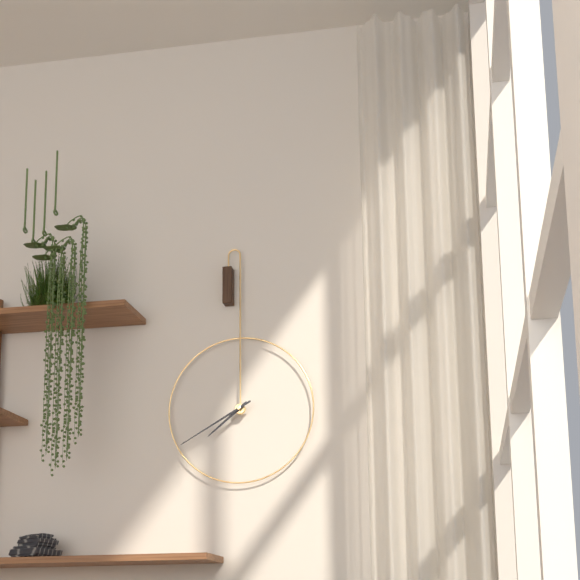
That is 7 h 40 min
